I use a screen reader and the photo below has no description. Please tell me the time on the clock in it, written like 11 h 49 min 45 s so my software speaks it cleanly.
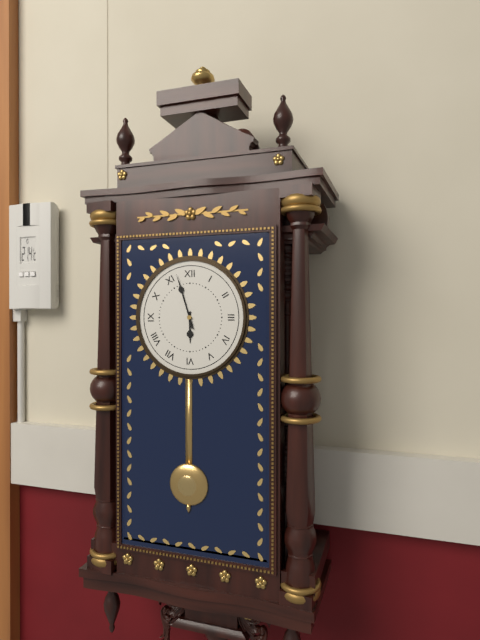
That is 5 h 57 min 57 s
